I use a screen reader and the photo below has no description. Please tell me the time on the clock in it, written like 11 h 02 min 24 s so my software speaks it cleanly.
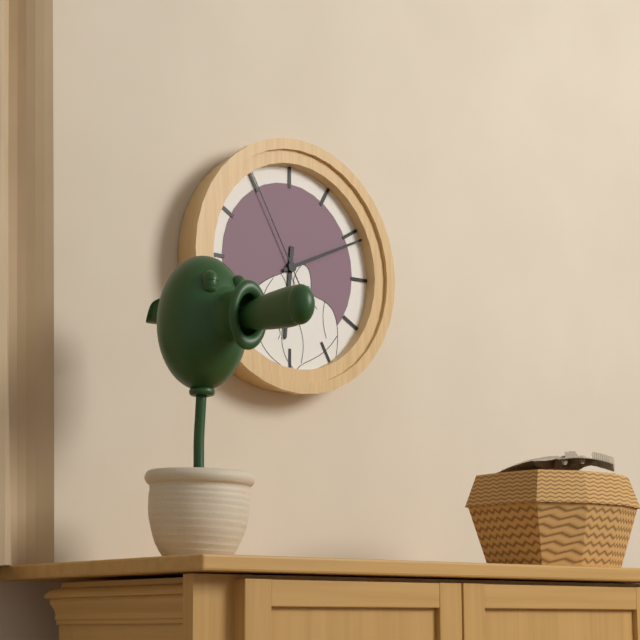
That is 6 h 11 min 55 s
